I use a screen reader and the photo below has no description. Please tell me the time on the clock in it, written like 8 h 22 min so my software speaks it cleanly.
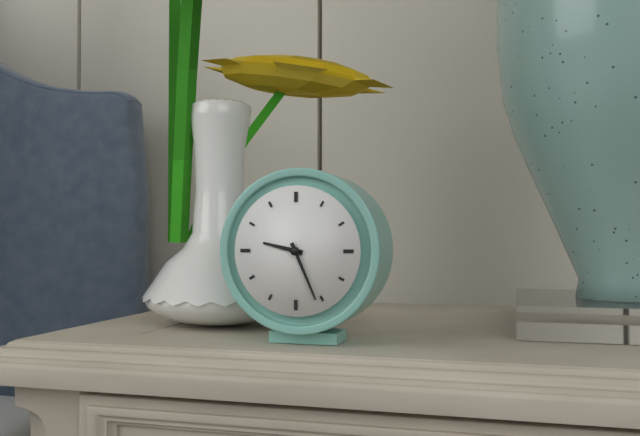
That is 9 h 26 min
